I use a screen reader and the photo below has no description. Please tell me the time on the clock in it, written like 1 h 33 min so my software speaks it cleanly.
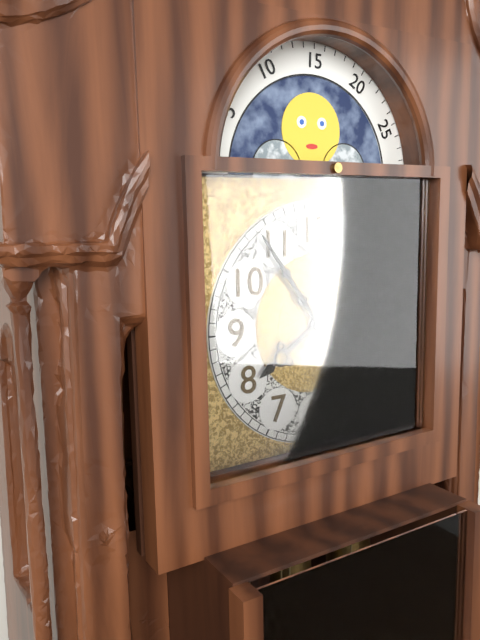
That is 7 h 54 min
